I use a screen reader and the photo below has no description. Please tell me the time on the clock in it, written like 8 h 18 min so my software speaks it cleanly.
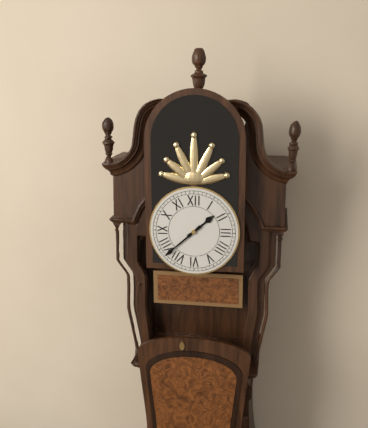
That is 1 h 38 min
